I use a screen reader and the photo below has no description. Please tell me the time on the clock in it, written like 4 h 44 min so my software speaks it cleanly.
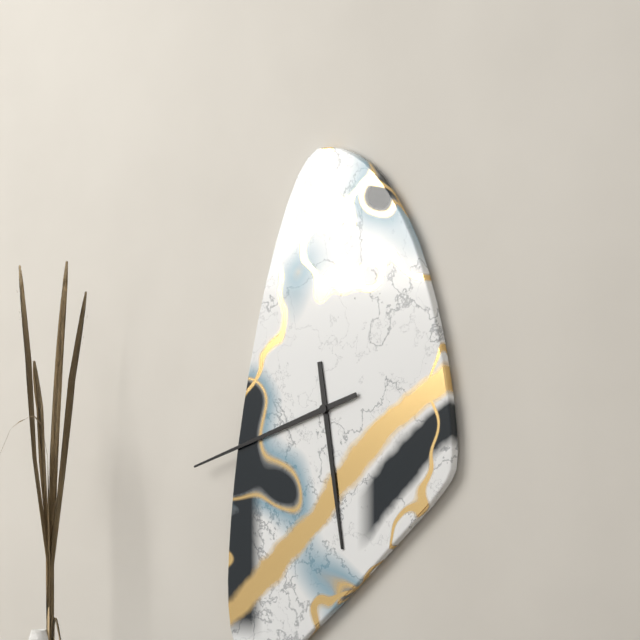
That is 5 h 42 min
